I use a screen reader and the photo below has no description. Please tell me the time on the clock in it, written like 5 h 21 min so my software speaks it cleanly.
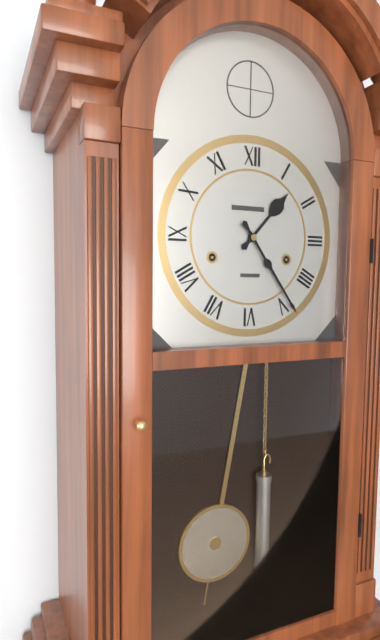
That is 1 h 24 min
